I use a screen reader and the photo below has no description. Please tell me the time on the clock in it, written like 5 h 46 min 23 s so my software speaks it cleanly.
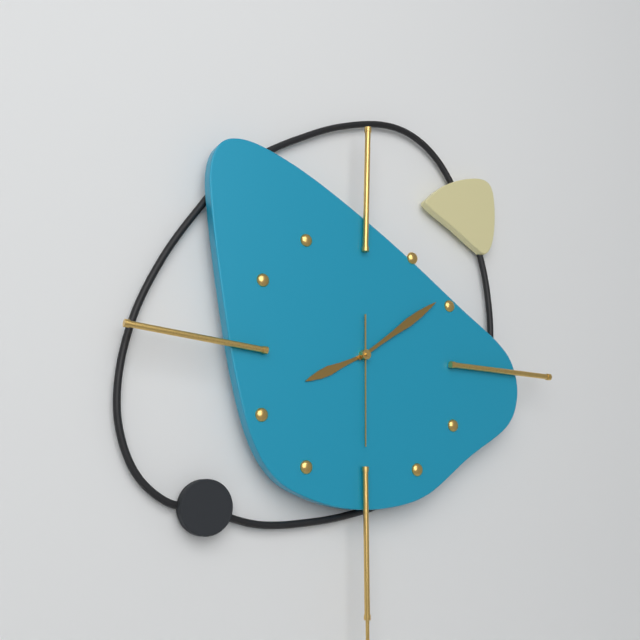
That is 8 h 09 min 30 s
